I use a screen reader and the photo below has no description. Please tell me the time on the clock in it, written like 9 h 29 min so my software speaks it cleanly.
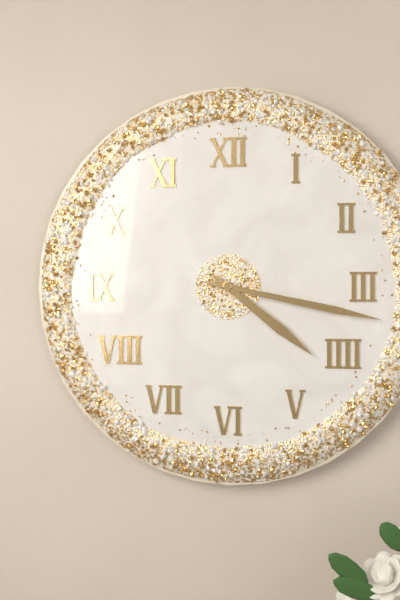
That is 4 h 17 min
